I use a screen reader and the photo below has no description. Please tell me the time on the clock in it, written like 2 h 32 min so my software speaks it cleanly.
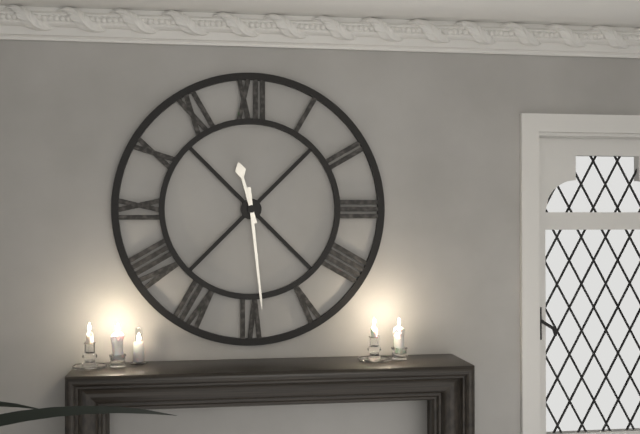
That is 11 h 29 min
